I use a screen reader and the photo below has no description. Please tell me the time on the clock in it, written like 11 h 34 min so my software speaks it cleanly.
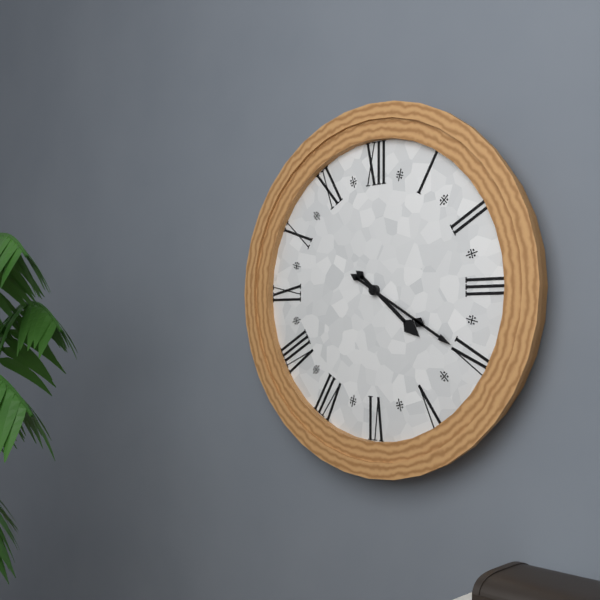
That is 4 h 20 min
